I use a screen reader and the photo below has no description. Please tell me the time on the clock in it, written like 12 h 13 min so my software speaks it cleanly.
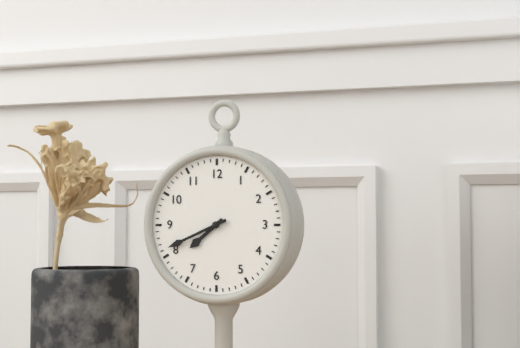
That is 7 h 41 min
